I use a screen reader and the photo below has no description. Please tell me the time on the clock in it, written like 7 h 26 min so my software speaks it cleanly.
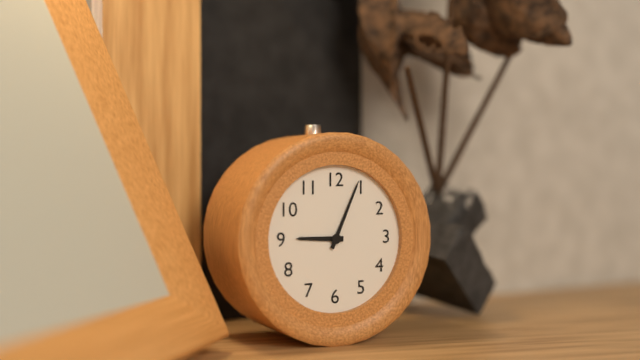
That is 9 h 04 min
